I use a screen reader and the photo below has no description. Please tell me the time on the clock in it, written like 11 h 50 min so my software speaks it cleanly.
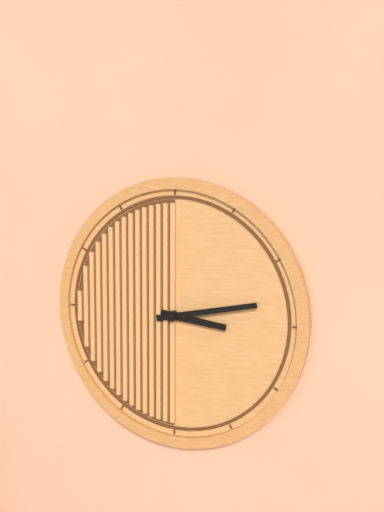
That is 3 h 13 min
